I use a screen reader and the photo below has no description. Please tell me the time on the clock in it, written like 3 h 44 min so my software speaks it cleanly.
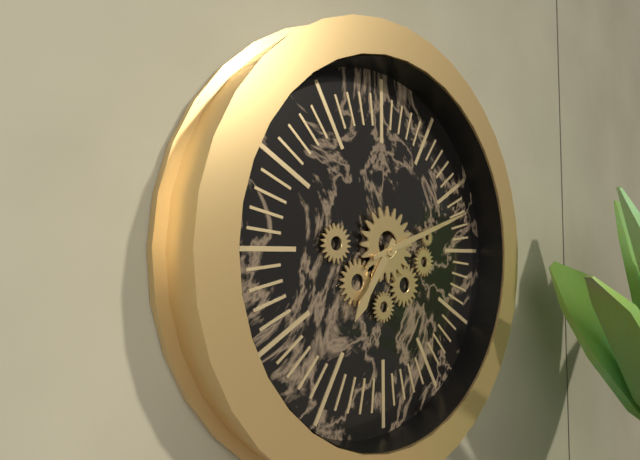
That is 7 h 12 min
